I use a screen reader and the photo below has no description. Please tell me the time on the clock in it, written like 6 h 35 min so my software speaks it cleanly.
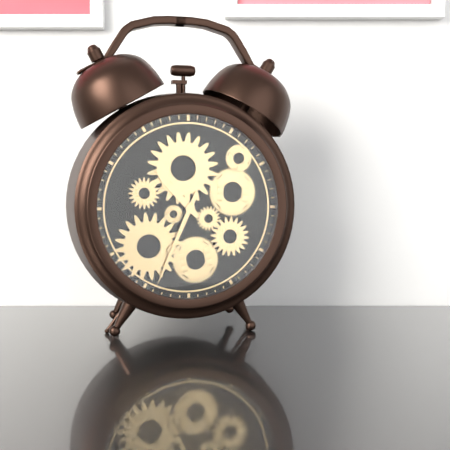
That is 10 h 34 min
